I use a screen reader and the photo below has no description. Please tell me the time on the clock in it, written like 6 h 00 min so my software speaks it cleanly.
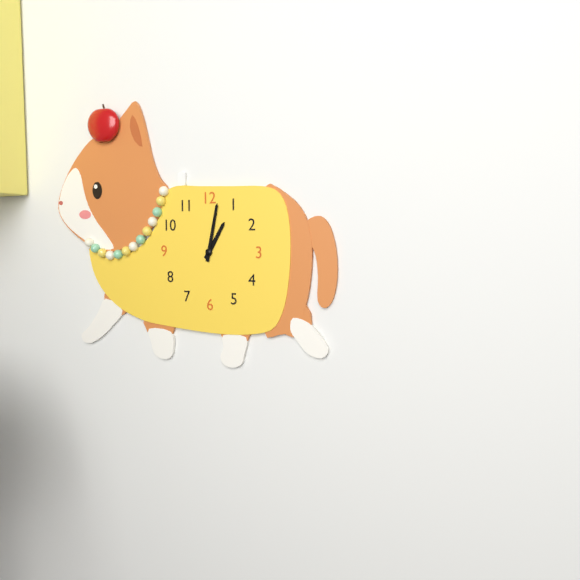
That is 1 h 02 min
